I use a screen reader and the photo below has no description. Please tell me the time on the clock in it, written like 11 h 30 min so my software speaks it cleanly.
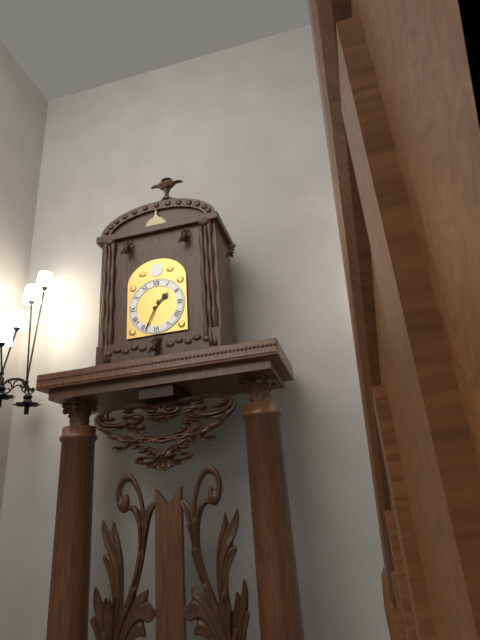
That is 1 h 34 min
